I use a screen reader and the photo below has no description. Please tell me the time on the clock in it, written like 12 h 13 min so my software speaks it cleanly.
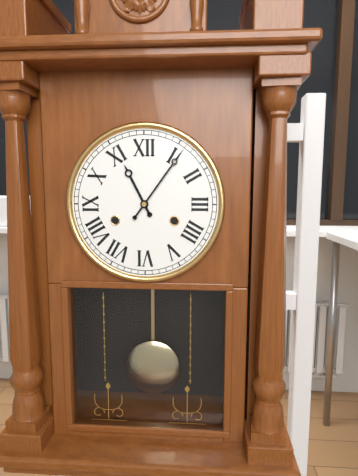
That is 11 h 06 min
